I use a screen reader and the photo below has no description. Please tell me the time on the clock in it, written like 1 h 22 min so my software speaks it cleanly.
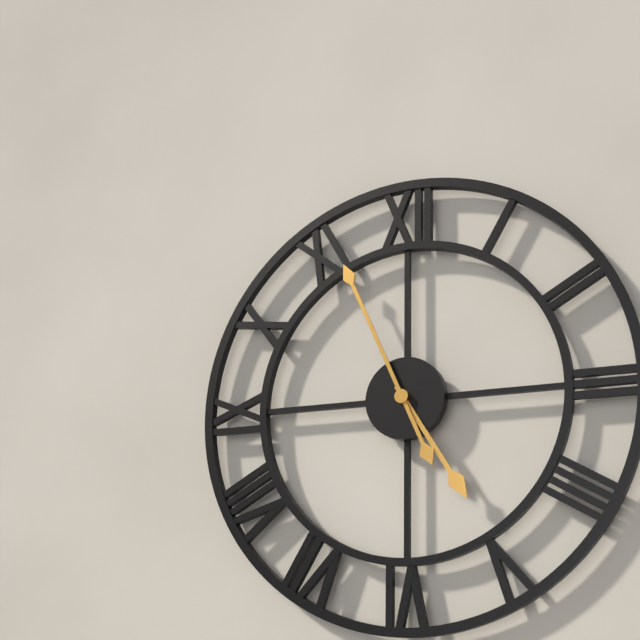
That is 4 h 56 min
